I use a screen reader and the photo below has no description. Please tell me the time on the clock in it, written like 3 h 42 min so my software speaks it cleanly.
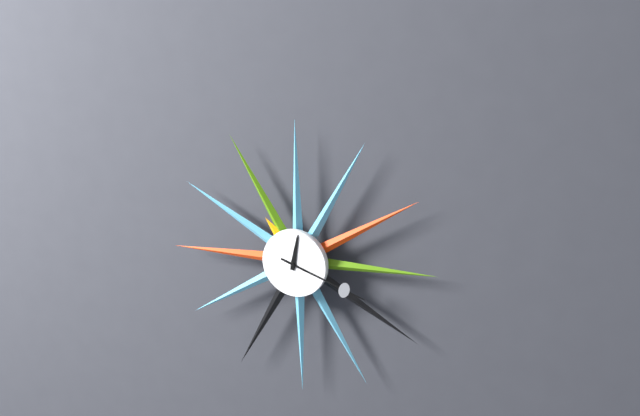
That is 12 h 18 min
